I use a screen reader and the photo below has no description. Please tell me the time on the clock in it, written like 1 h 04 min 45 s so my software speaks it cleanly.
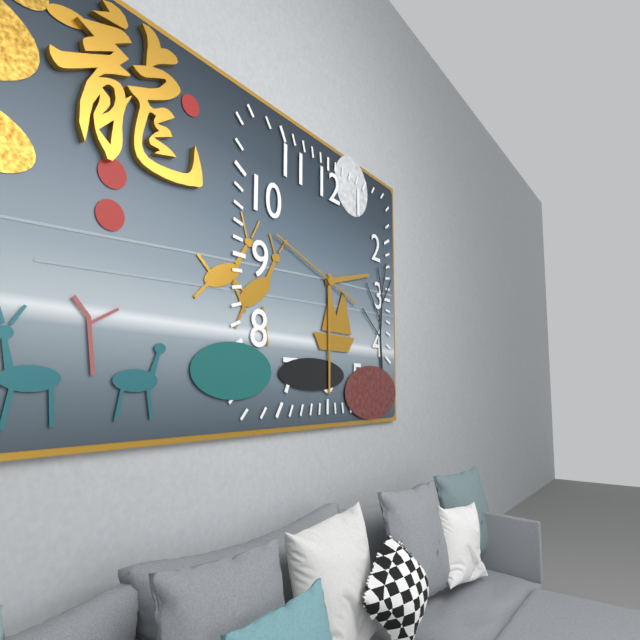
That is 2 h 30 min 48 s
